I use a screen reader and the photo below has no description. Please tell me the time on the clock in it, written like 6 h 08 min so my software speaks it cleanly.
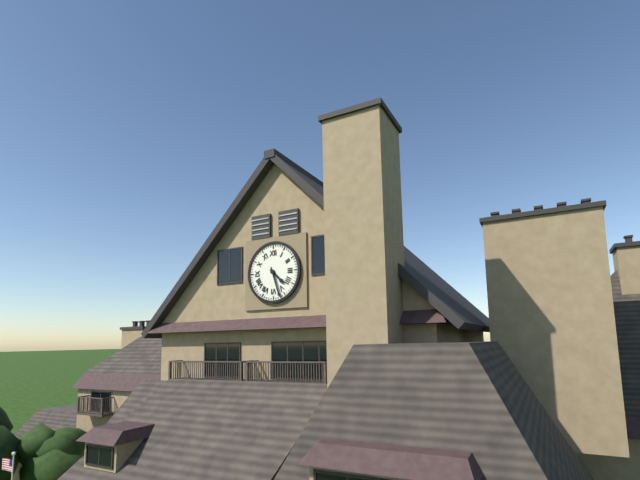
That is 4 h 27 min
